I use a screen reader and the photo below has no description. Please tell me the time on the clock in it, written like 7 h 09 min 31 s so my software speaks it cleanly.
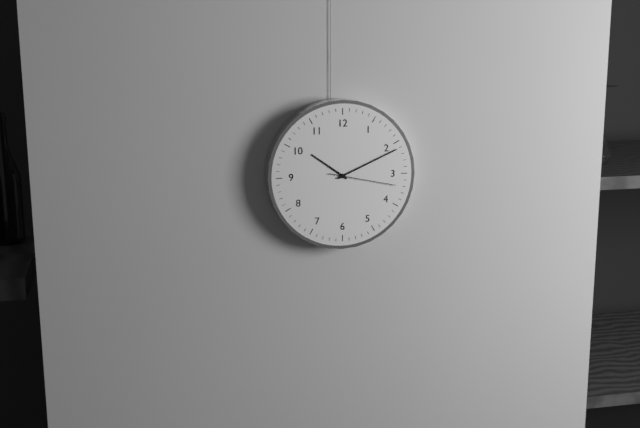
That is 10 h 11 min 17 s
